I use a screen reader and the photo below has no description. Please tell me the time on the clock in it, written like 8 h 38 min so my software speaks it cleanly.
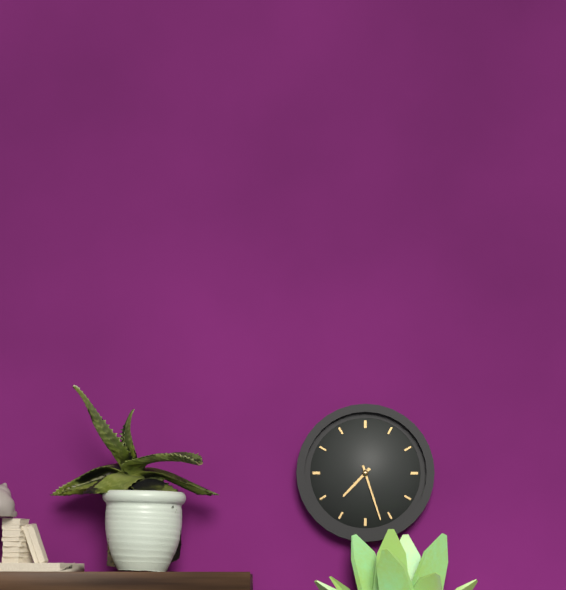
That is 7 h 27 min
